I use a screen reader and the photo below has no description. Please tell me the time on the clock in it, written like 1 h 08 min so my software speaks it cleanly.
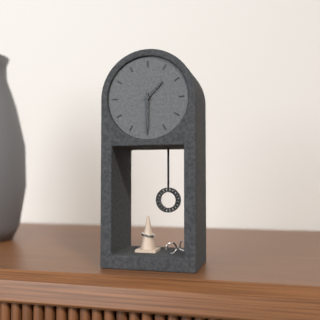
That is 1 h 30 min
